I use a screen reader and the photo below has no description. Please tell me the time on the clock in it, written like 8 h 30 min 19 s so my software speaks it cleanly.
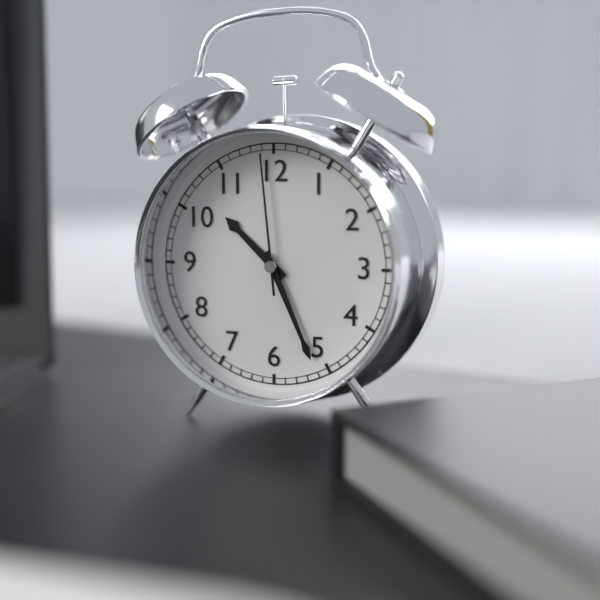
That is 10 h 26 min 59 s
